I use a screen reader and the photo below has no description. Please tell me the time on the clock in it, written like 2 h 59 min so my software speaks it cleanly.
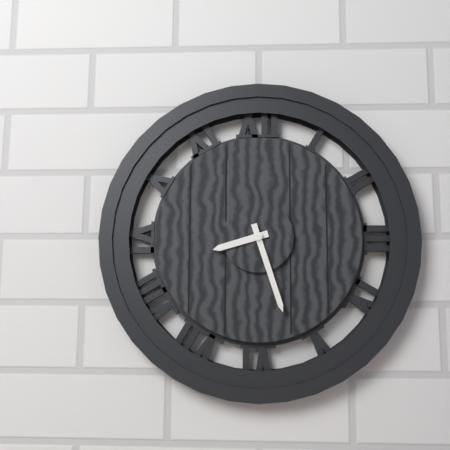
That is 8 h 27 min
